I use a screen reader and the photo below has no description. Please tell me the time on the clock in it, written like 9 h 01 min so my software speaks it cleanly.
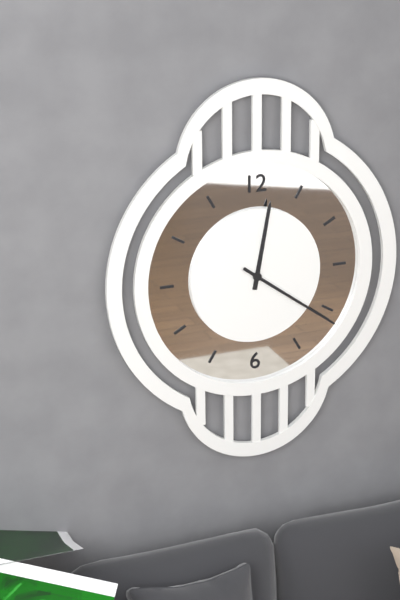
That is 12 h 21 min
